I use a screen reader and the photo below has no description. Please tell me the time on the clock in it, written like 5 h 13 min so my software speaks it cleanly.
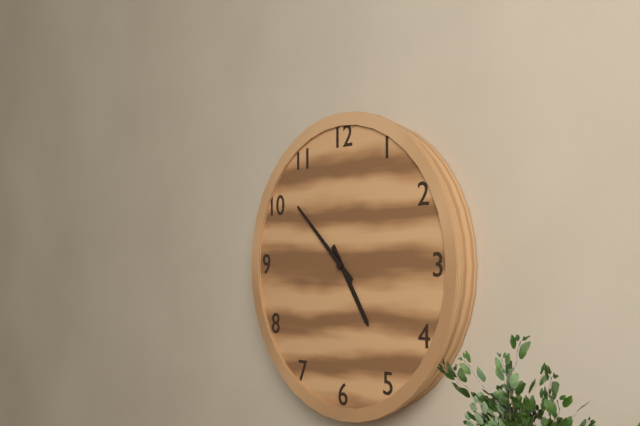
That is 4 h 52 min
